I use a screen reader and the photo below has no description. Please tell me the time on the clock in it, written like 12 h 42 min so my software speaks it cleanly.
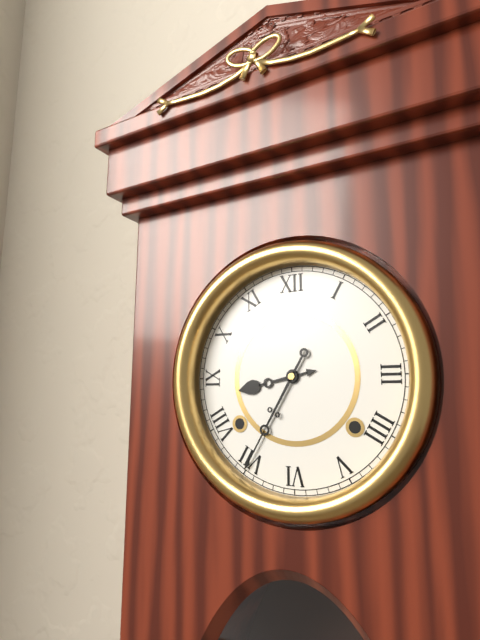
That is 8 h 35 min
